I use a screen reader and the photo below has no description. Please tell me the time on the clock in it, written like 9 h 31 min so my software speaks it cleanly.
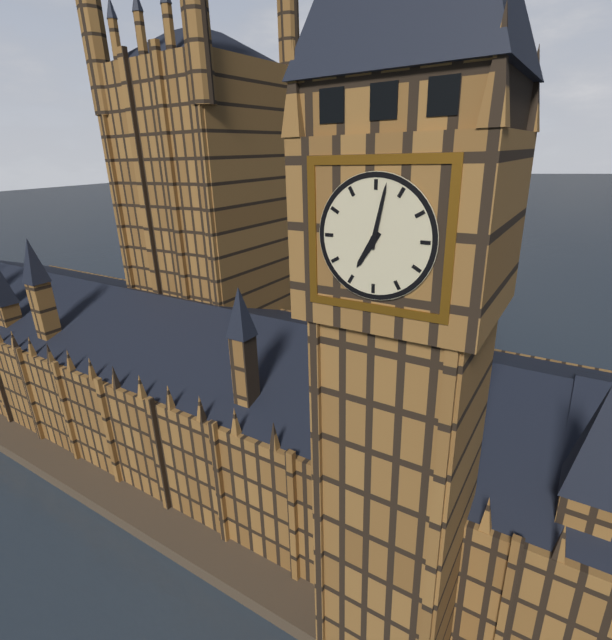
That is 7 h 02 min
